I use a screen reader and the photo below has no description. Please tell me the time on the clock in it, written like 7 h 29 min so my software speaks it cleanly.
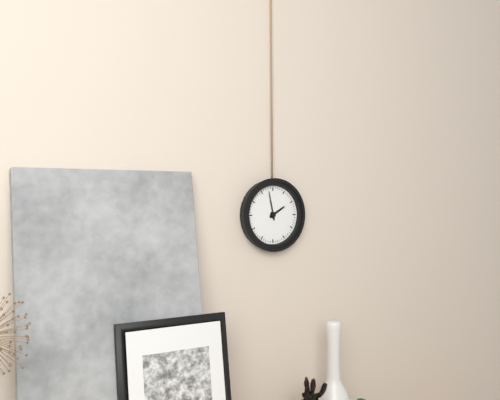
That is 1 h 58 min
